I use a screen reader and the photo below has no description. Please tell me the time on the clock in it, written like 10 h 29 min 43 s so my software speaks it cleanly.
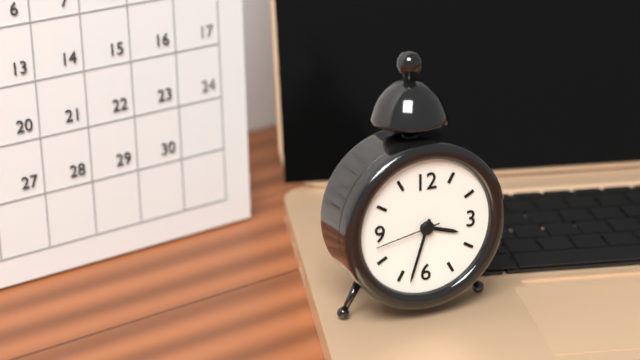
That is 3 h 33 min 43 s
